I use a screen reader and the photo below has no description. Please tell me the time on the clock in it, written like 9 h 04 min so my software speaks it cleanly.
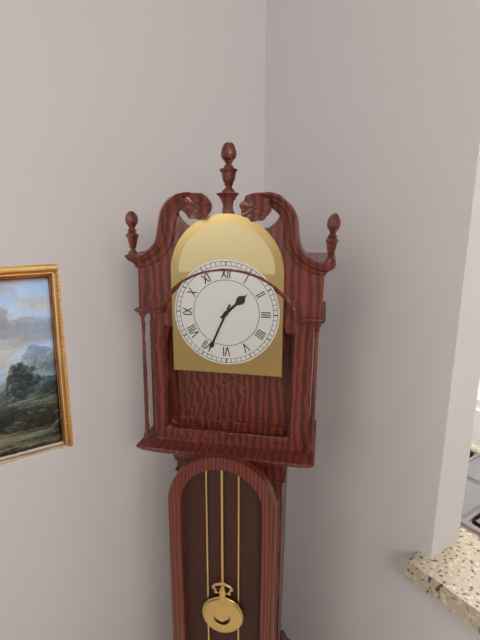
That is 1 h 34 min
